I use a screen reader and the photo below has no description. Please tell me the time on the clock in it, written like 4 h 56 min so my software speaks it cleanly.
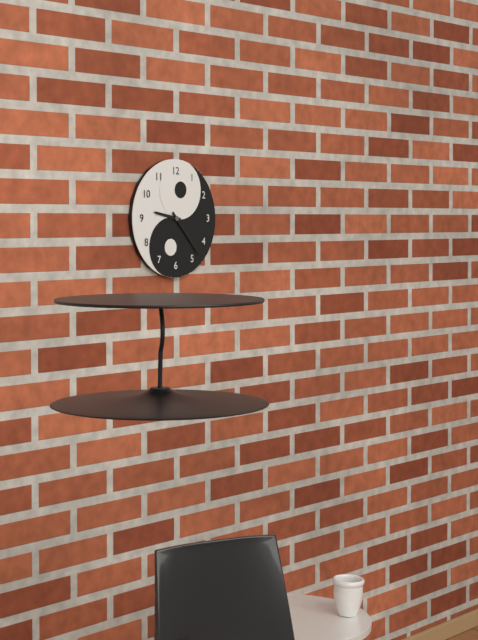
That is 9 h 23 min
